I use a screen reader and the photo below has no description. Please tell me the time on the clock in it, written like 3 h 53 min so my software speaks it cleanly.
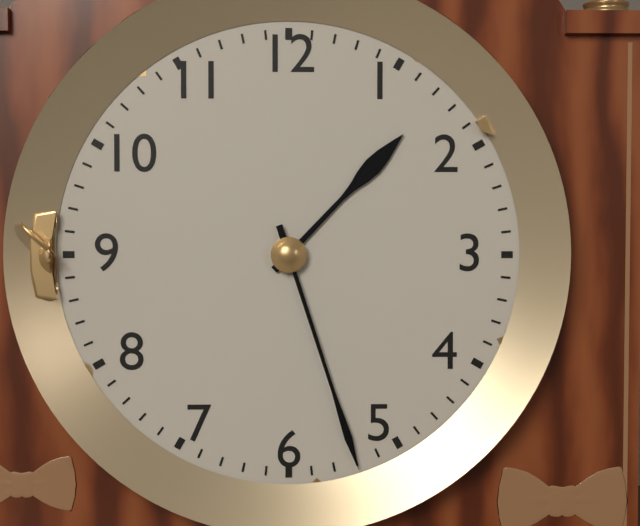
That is 1 h 27 min
